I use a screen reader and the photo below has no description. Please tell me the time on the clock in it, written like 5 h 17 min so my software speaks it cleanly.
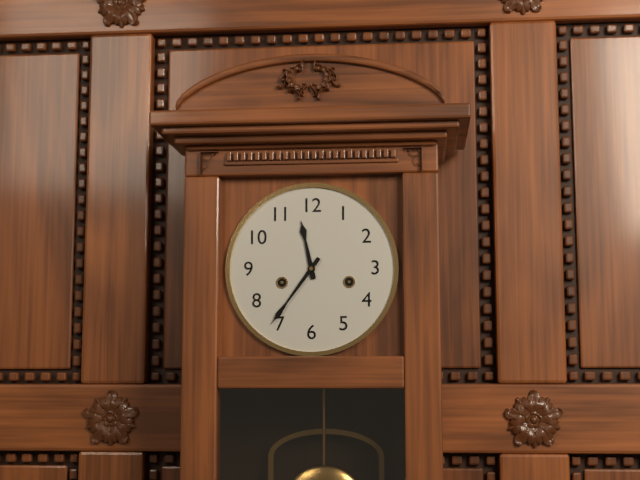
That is 11 h 36 min
